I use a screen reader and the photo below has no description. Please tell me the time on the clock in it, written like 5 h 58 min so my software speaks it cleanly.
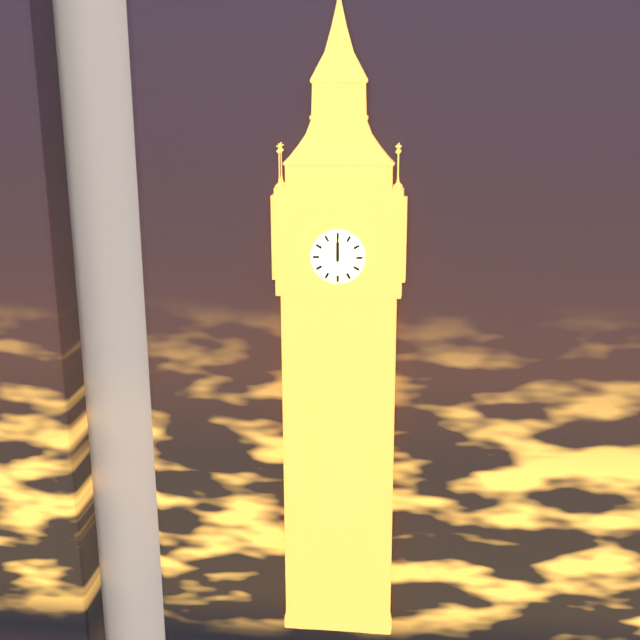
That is 12 h 00 min
